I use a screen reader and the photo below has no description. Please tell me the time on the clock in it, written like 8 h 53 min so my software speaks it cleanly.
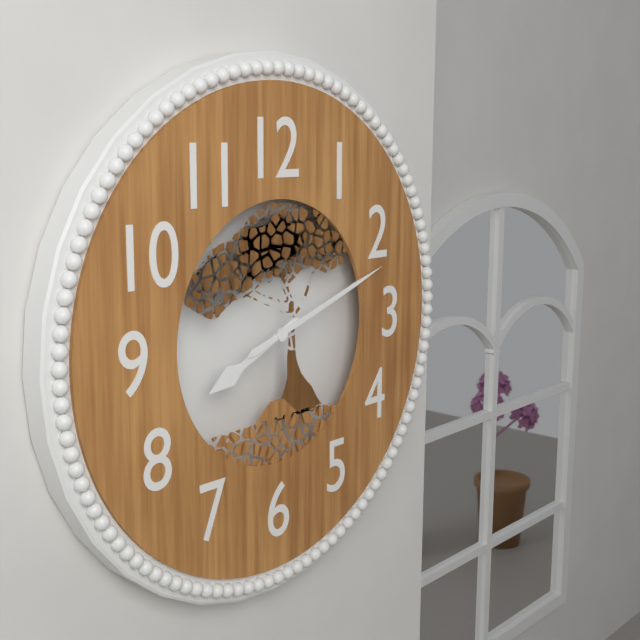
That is 8 h 12 min
